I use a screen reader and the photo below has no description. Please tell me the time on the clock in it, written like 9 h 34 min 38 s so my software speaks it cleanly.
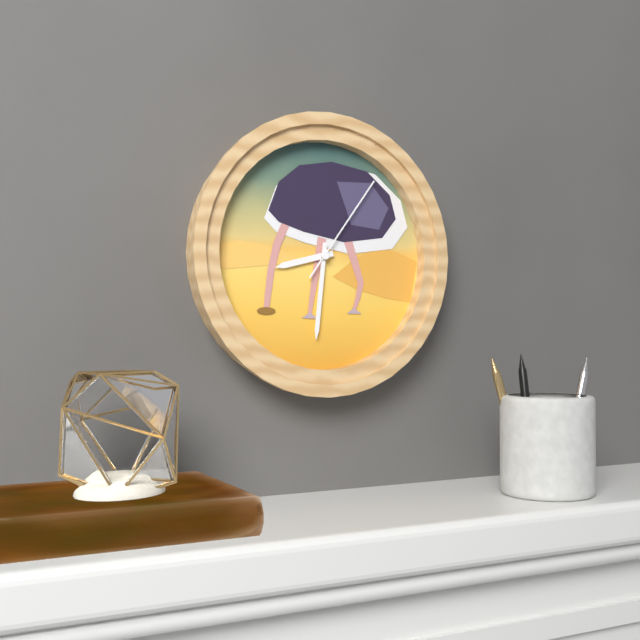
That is 8 h 31 min 06 s
